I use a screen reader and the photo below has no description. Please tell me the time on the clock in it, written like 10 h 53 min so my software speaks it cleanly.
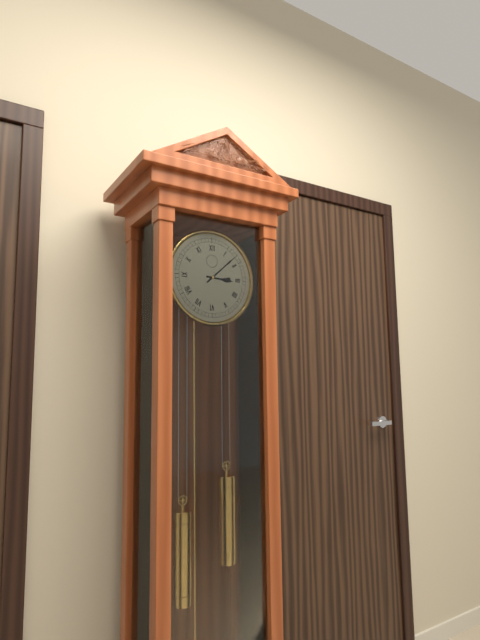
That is 3 h 08 min
